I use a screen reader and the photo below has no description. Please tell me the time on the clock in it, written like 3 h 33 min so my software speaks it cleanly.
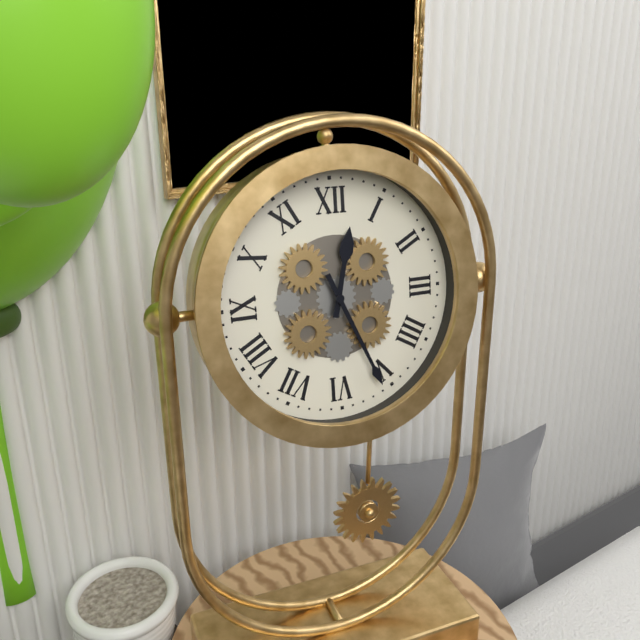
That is 12 h 26 min
